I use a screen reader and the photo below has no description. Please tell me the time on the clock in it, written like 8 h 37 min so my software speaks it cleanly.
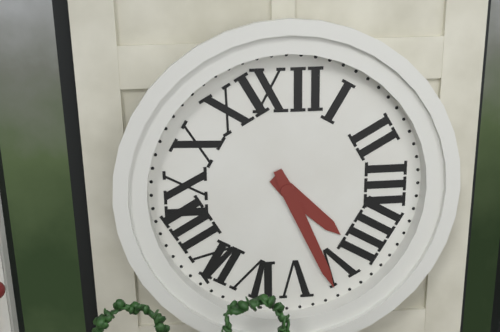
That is 4 h 26 min
